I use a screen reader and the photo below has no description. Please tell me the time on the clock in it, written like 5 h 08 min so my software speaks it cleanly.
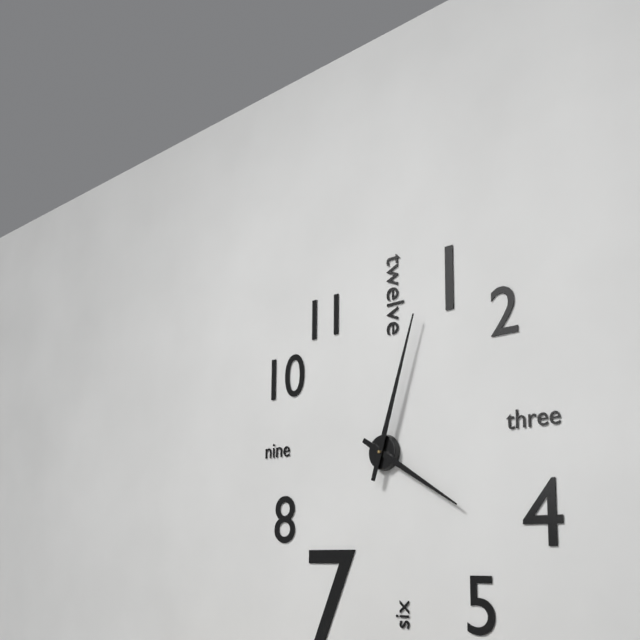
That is 4 h 03 min
